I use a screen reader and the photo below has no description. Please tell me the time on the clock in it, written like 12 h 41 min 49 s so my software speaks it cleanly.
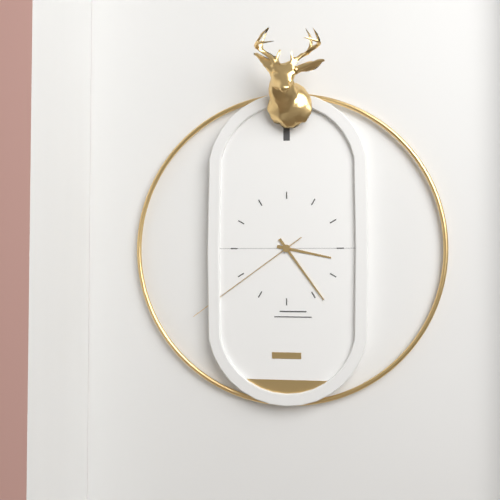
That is 3 h 24 min 39 s
